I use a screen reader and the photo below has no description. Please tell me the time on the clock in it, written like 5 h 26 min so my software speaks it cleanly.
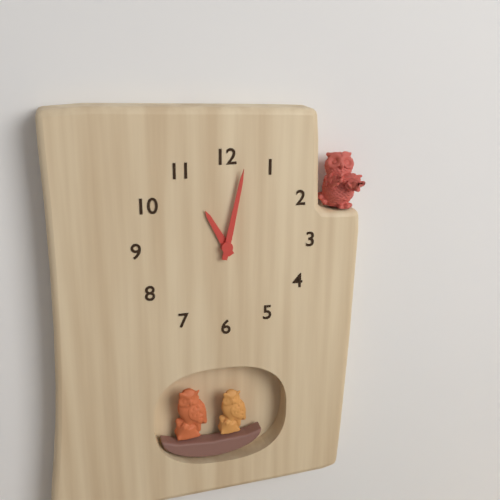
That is 11 h 02 min
